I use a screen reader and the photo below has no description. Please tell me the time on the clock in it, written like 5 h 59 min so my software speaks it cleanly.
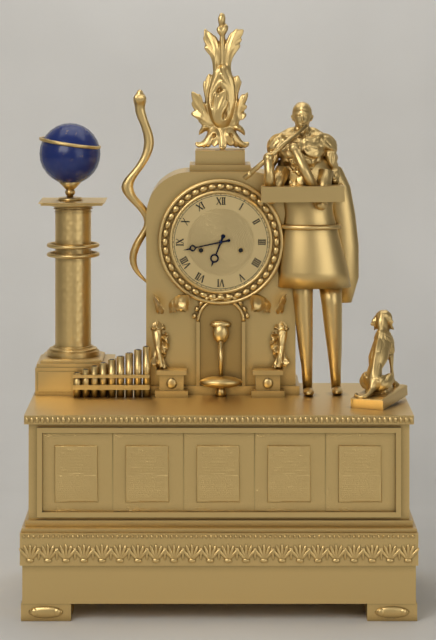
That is 6 h 43 min
